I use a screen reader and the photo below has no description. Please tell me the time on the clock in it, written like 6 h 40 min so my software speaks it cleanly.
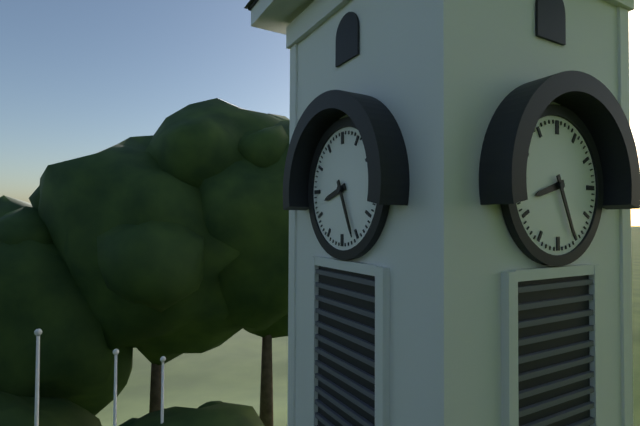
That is 8 h 26 min
